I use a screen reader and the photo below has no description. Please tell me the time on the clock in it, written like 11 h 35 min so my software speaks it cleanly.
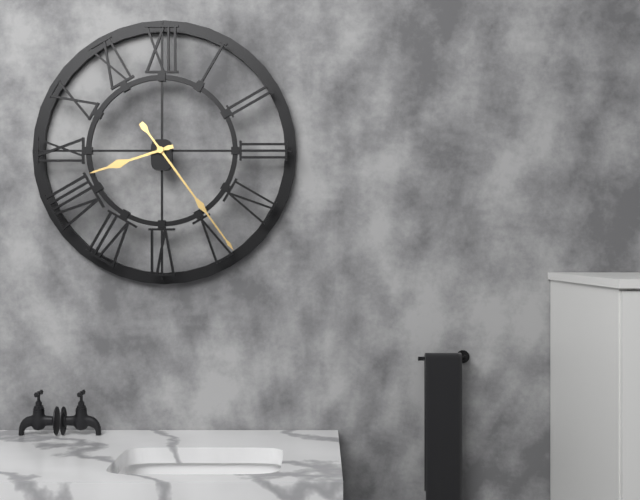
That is 8 h 24 min
